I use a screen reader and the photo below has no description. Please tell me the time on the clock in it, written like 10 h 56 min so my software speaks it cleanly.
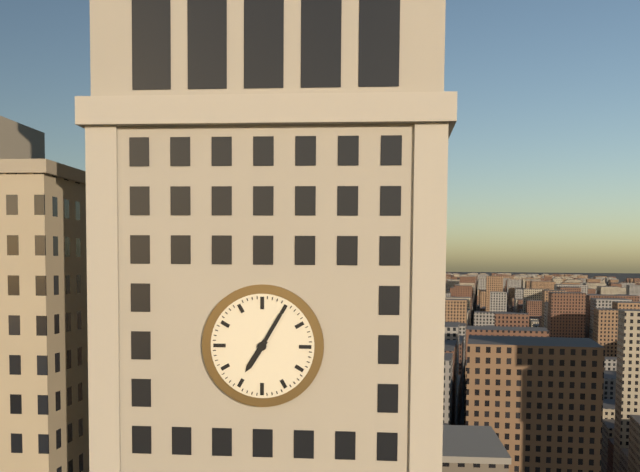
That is 7 h 05 min
